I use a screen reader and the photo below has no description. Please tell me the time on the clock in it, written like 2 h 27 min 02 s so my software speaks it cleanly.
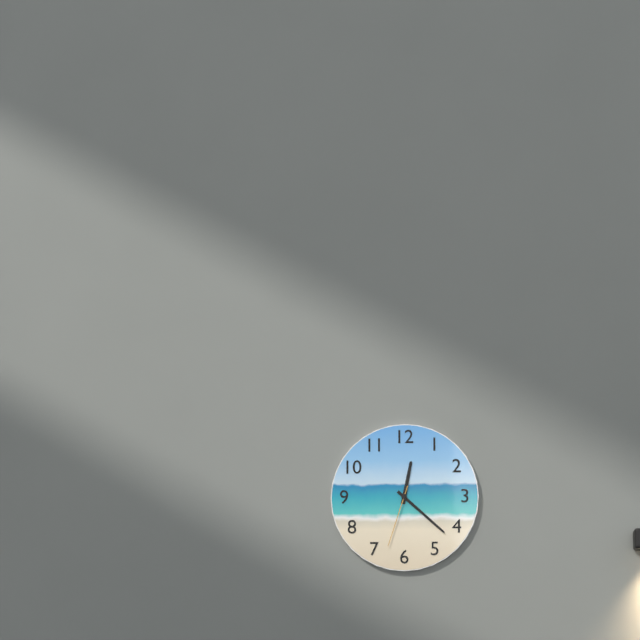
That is 12 h 22 min 33 s
